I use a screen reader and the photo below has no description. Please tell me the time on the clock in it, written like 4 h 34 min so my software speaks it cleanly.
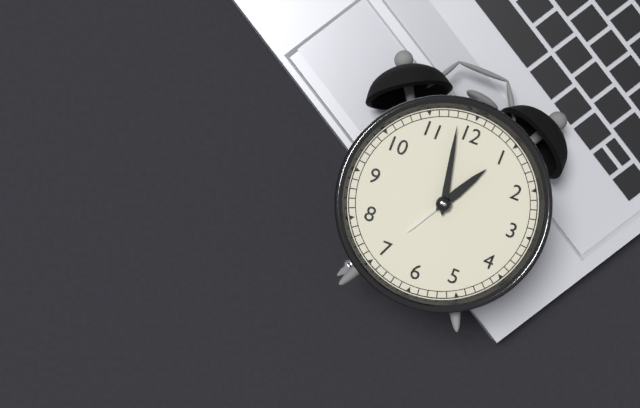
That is 12 h 58 min
